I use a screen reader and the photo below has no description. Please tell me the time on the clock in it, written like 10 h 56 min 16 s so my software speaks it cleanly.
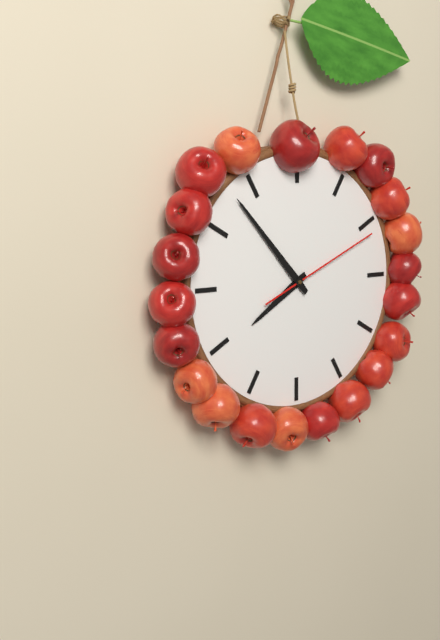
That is 7 h 53 min 11 s
